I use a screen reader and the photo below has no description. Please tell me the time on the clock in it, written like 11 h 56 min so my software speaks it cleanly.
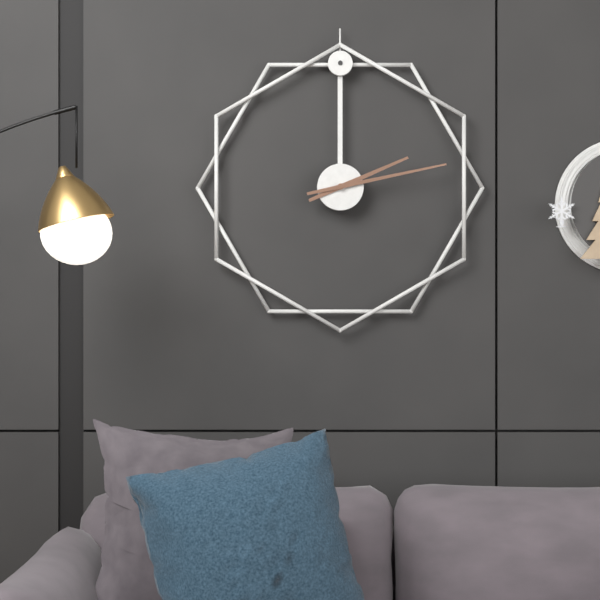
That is 2 h 13 min
